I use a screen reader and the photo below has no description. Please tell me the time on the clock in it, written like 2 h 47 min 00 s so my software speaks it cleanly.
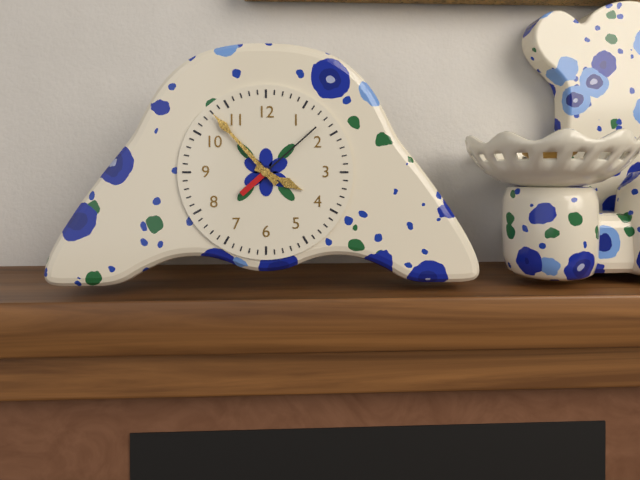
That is 3 h 53 min 08 s
